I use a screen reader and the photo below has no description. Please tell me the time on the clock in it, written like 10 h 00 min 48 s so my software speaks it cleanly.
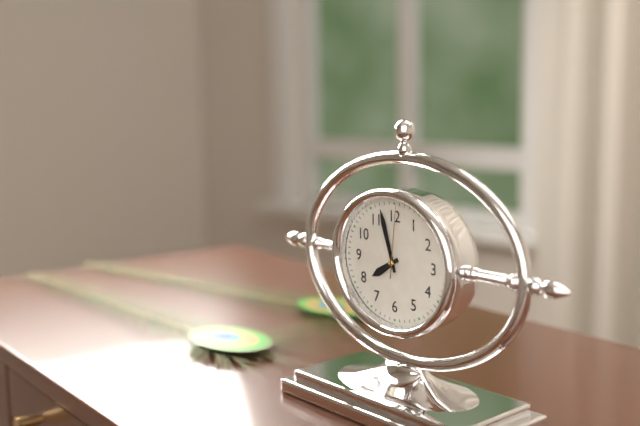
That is 7 h 57 min 01 s
